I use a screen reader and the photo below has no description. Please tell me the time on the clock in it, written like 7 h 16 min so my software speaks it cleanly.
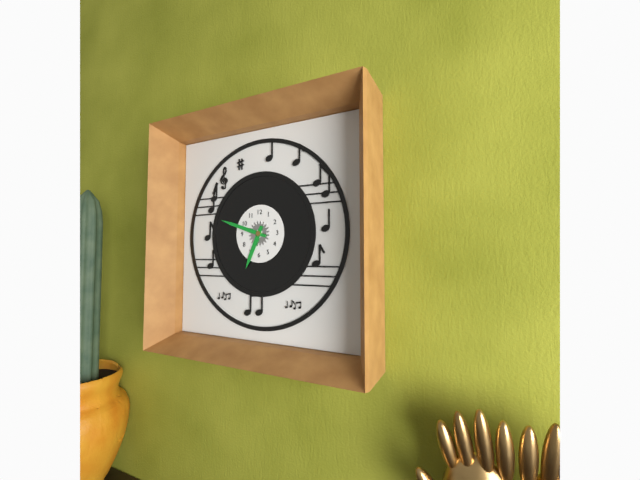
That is 6 h 48 min
